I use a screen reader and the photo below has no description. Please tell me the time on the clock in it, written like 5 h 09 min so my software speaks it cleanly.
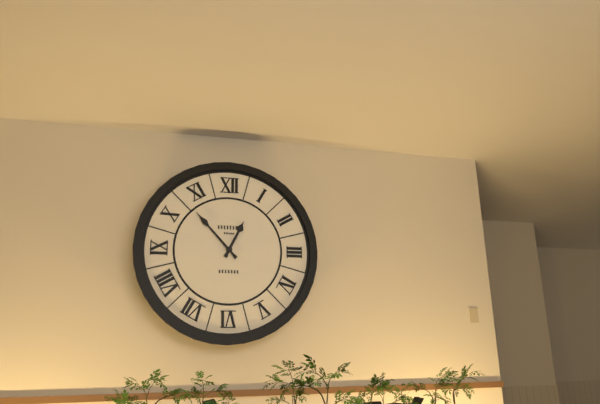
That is 12 h 53 min
